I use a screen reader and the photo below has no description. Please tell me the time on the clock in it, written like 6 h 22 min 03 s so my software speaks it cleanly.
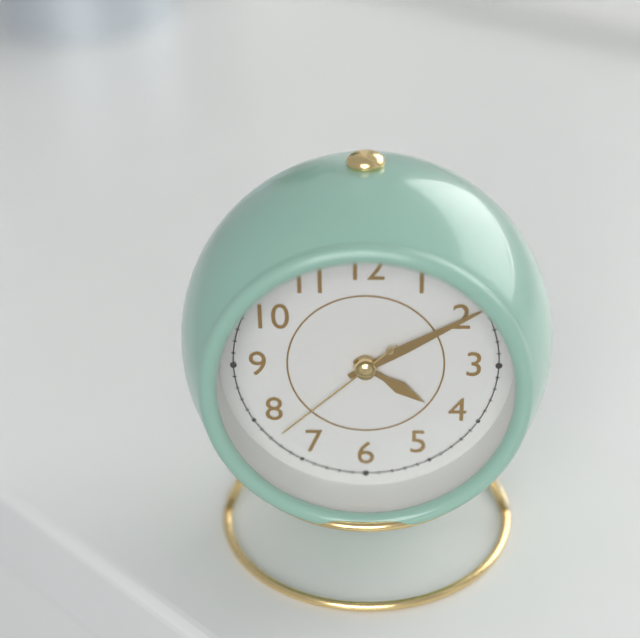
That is 4 h 10 min 38 s
